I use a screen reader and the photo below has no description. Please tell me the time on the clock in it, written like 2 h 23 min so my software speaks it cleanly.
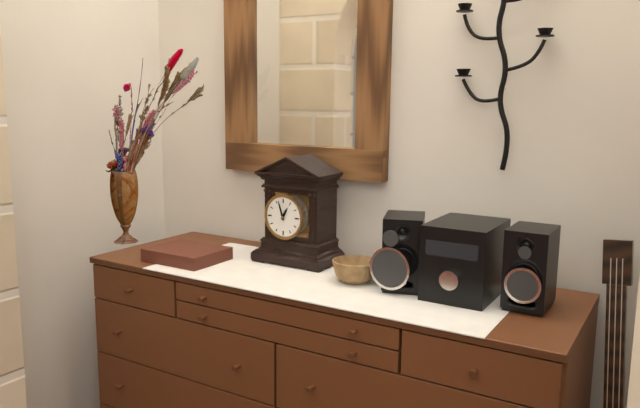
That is 12 h 57 min
